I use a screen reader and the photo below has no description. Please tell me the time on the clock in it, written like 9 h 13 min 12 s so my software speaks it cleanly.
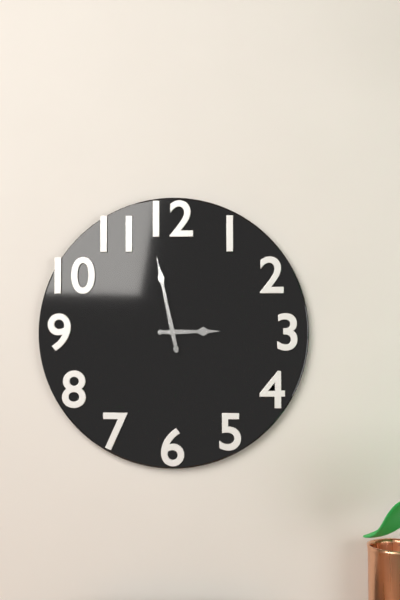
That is 2 h 58 min 58 s
